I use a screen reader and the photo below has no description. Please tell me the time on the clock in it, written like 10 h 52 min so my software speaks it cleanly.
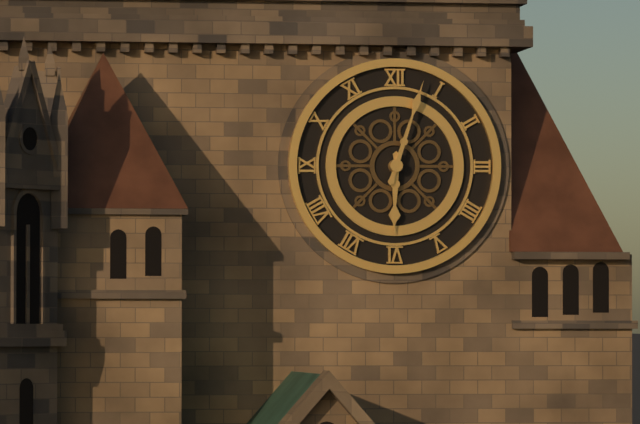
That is 6 h 03 min
